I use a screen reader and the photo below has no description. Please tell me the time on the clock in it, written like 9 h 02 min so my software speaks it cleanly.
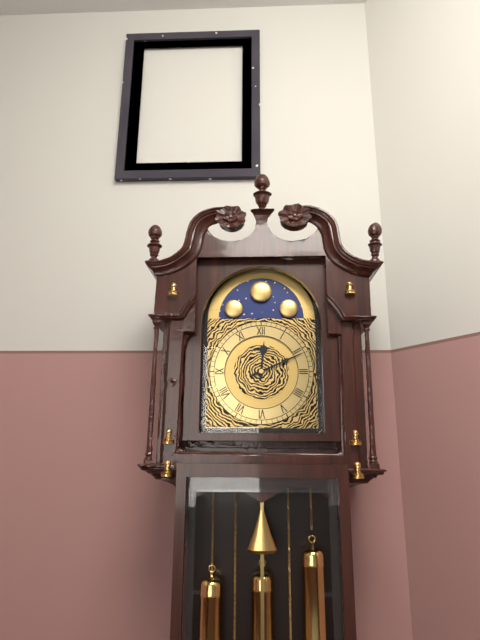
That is 12 h 11 min
